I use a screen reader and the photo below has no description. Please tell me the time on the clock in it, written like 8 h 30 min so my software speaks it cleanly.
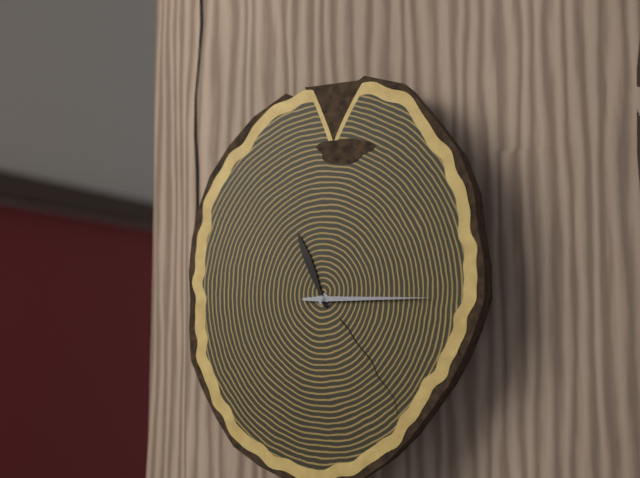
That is 11 h 15 min
